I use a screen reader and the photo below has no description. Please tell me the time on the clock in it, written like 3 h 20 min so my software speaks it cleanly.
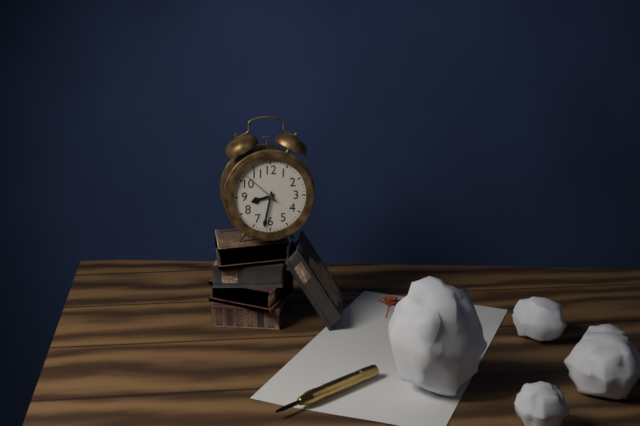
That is 8 h 32 min
